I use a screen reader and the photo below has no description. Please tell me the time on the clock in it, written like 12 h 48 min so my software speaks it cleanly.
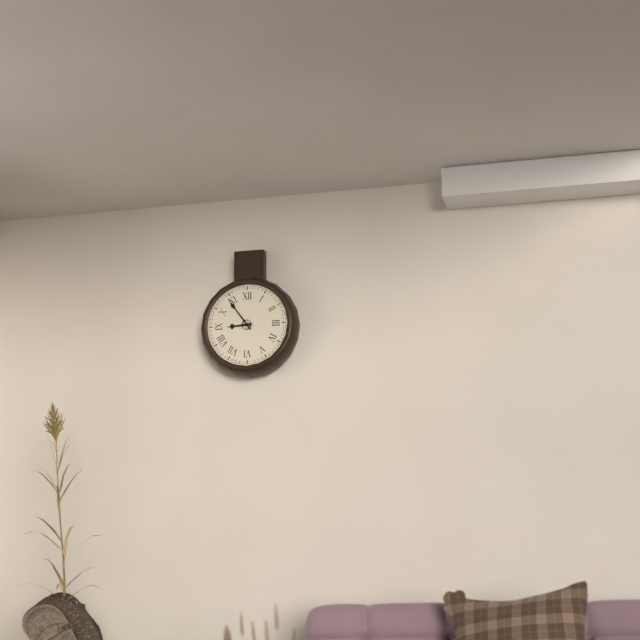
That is 8 h 54 min
